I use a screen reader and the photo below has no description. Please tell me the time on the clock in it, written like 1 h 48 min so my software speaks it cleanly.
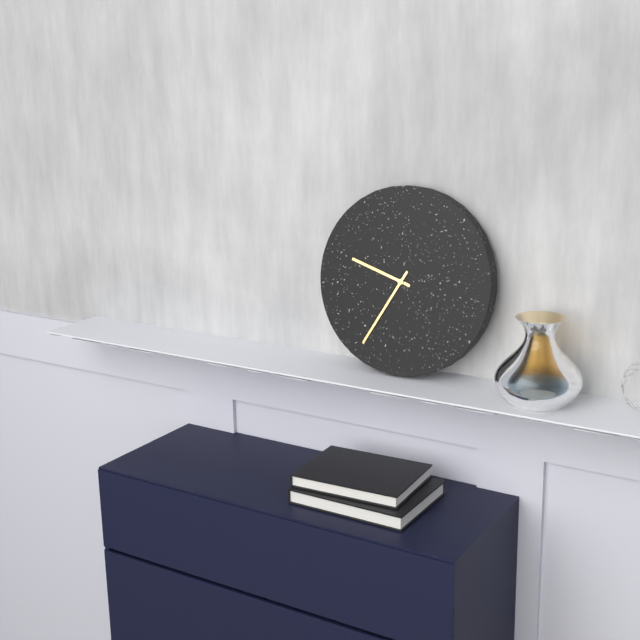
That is 9 h 35 min
